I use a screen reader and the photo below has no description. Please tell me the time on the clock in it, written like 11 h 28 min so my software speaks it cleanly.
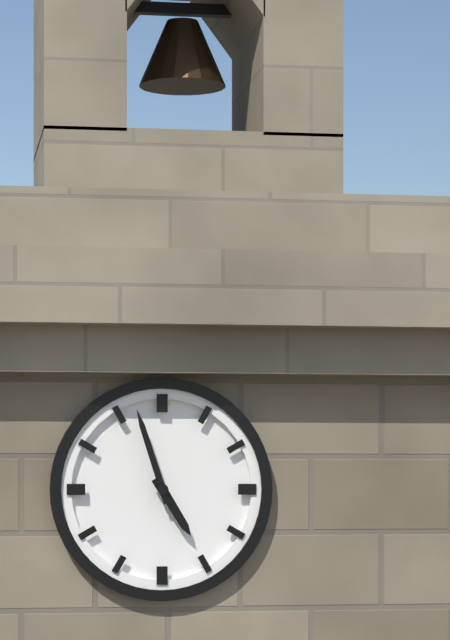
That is 4 h 57 min
